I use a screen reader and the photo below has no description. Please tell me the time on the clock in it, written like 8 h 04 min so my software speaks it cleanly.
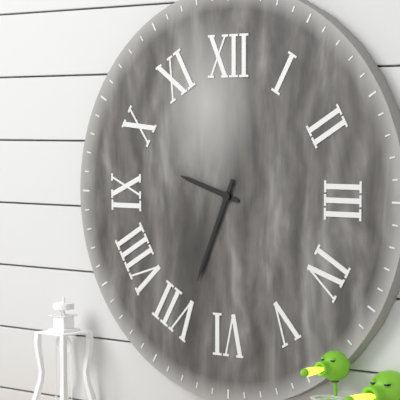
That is 9 h 34 min
